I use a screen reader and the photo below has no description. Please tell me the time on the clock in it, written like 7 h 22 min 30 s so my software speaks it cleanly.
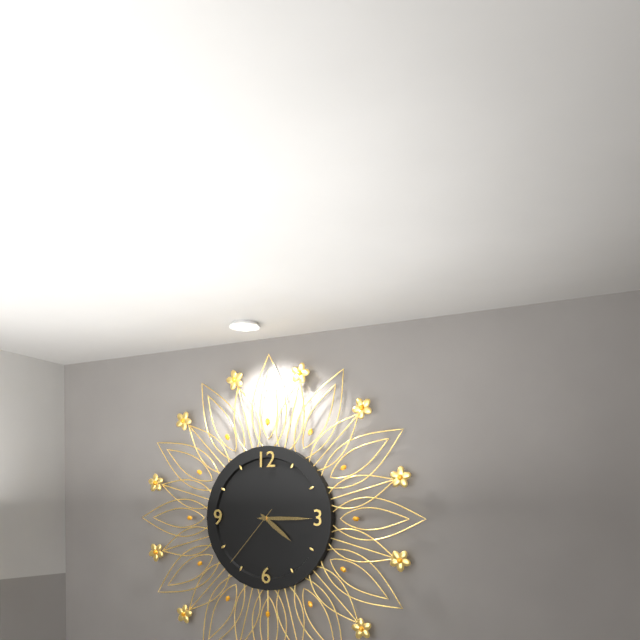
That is 4 h 15 min 37 s
